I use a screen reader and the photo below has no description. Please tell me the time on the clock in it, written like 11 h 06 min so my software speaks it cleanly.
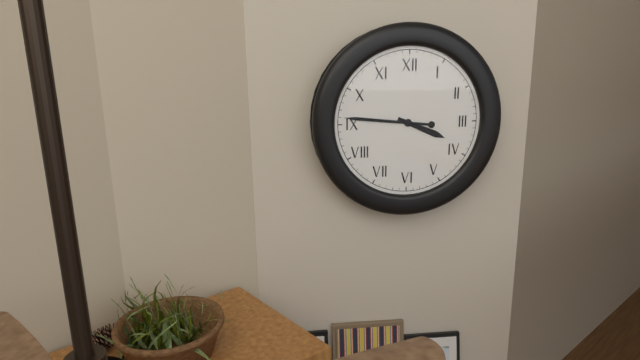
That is 3 h 46 min
